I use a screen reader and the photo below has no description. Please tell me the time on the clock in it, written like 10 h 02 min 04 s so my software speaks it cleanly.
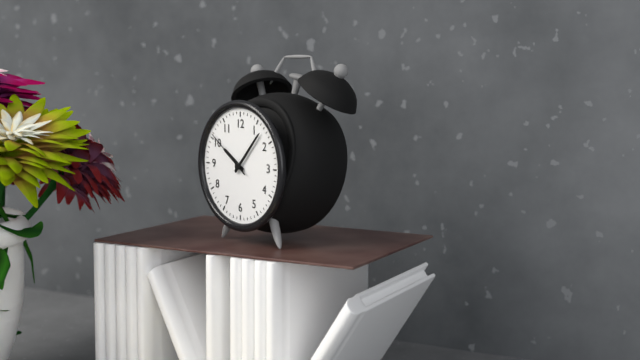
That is 10 h 07 min 51 s
